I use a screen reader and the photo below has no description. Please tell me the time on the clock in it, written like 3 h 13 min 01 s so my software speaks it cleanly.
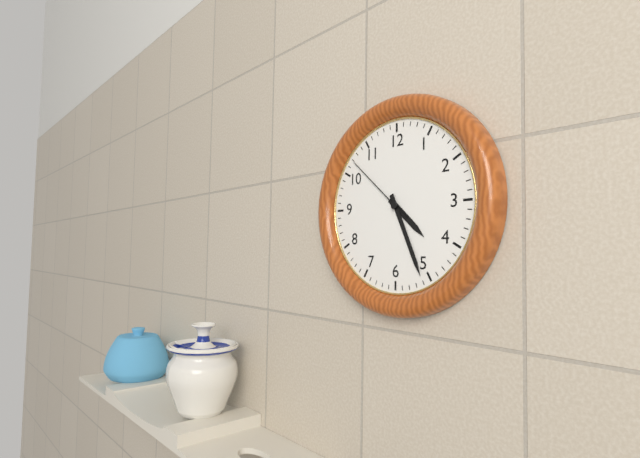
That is 4 h 26 min 52 s
